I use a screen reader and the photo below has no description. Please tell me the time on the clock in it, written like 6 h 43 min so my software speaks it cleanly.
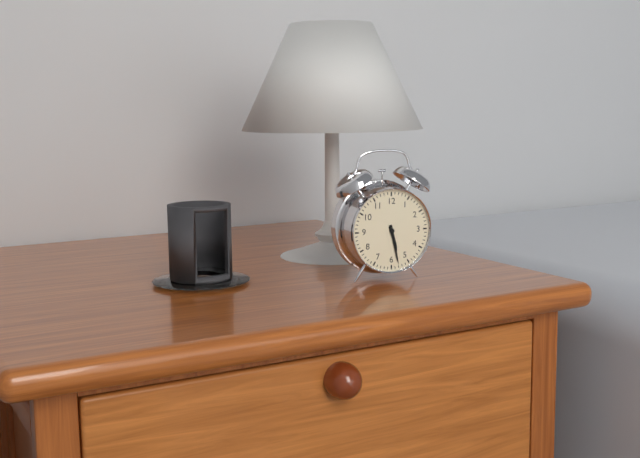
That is 5 h 28 min
